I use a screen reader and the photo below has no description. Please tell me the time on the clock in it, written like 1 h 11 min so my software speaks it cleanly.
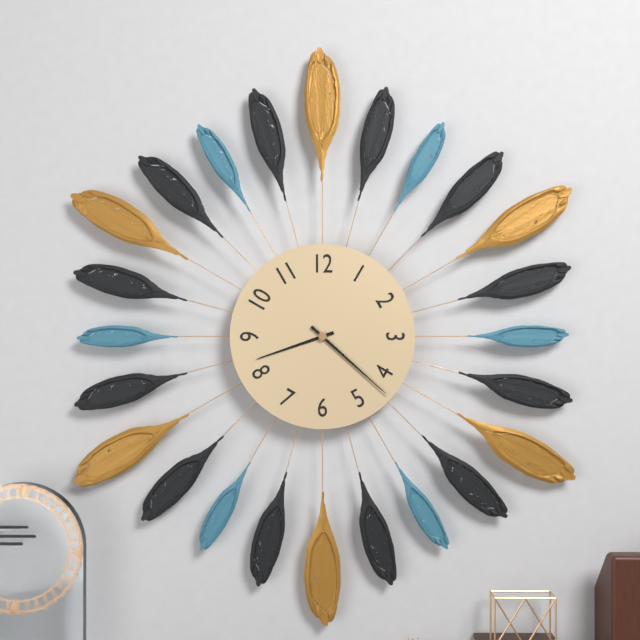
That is 8 h 22 min
